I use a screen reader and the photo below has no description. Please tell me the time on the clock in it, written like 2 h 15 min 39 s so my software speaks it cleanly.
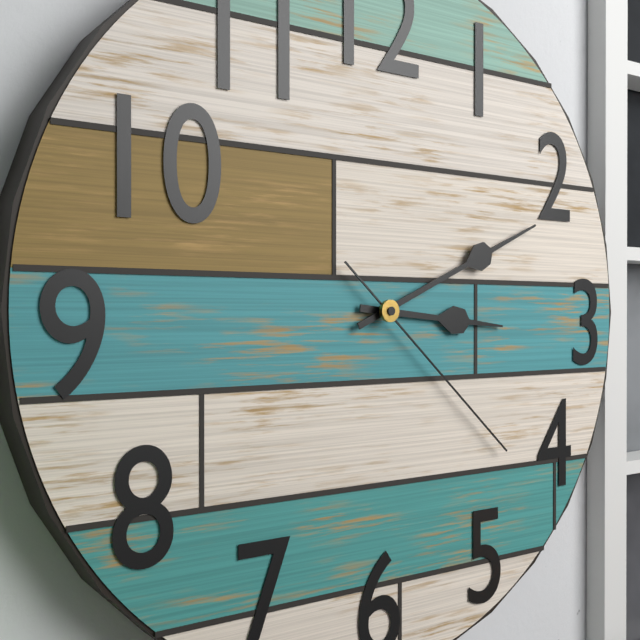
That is 3 h 11 min 22 s
